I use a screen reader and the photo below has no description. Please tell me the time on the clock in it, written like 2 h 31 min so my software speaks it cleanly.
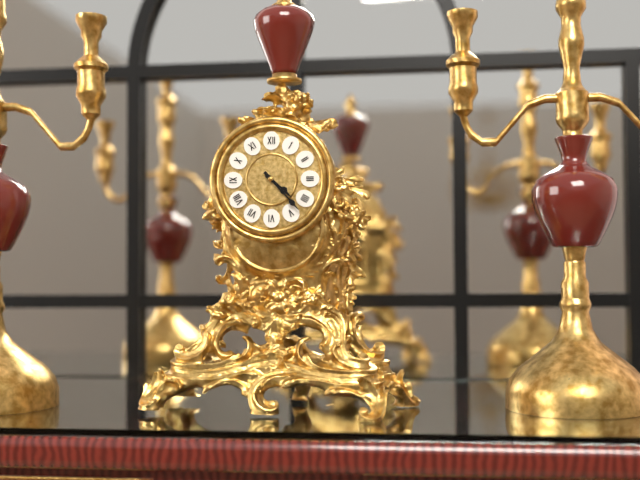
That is 4 h 23 min
